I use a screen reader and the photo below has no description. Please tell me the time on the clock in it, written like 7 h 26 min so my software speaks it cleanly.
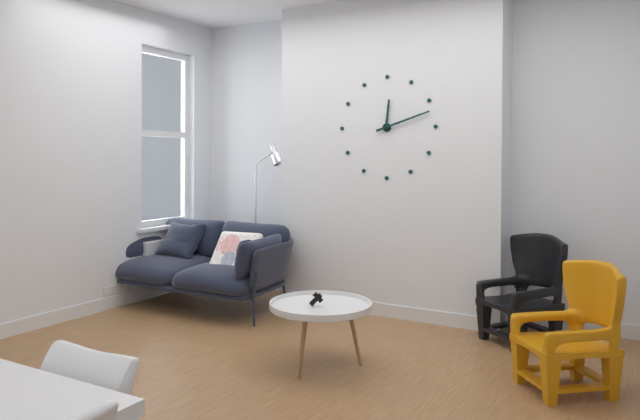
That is 12 h 12 min
